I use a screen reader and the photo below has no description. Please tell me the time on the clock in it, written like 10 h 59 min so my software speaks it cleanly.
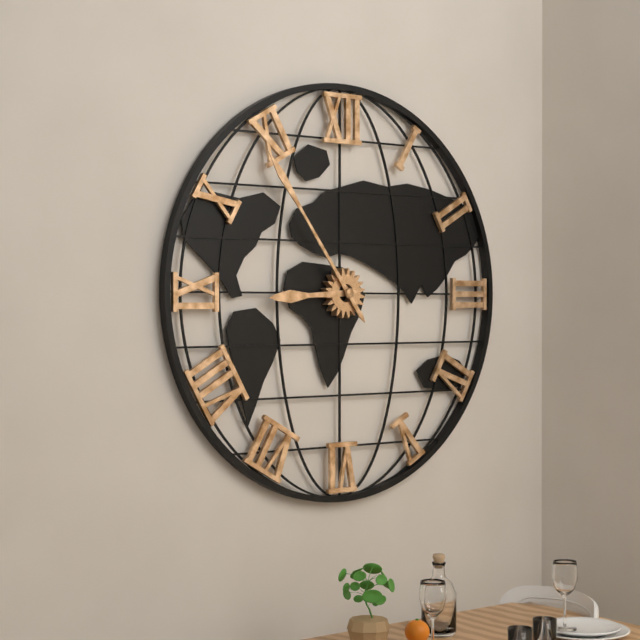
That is 8 h 54 min
